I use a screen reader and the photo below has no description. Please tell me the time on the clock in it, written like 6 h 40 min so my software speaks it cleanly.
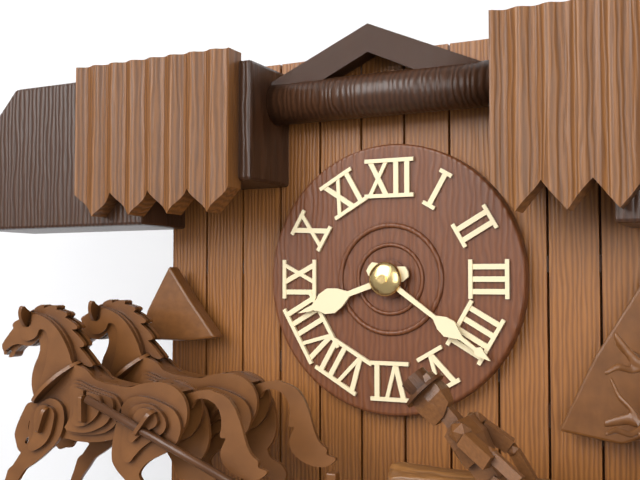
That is 8 h 21 min
